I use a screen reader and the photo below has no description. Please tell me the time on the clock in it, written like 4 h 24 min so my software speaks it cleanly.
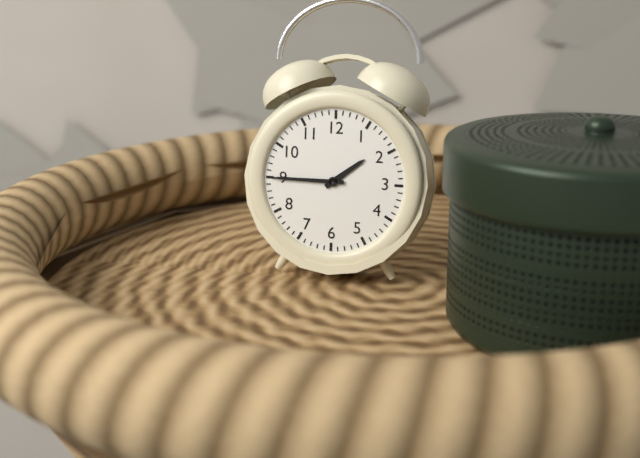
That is 1 h 45 min
